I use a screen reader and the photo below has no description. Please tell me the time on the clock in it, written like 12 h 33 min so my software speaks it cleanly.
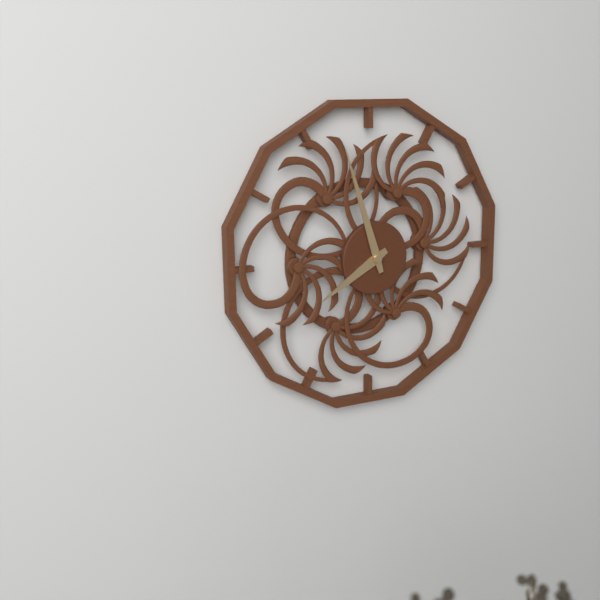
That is 7 h 57 min
